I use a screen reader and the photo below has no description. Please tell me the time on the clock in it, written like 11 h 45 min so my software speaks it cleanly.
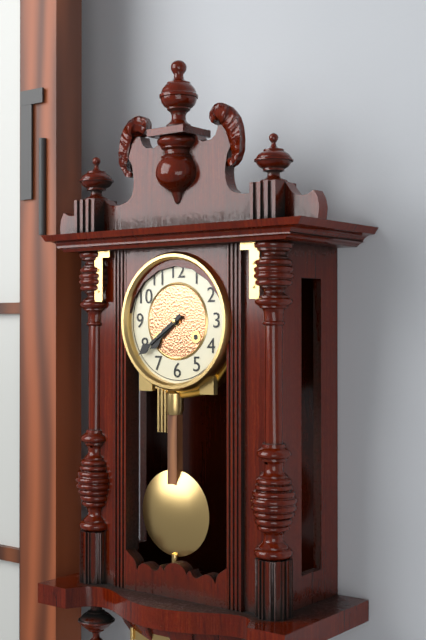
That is 7 h 39 min
